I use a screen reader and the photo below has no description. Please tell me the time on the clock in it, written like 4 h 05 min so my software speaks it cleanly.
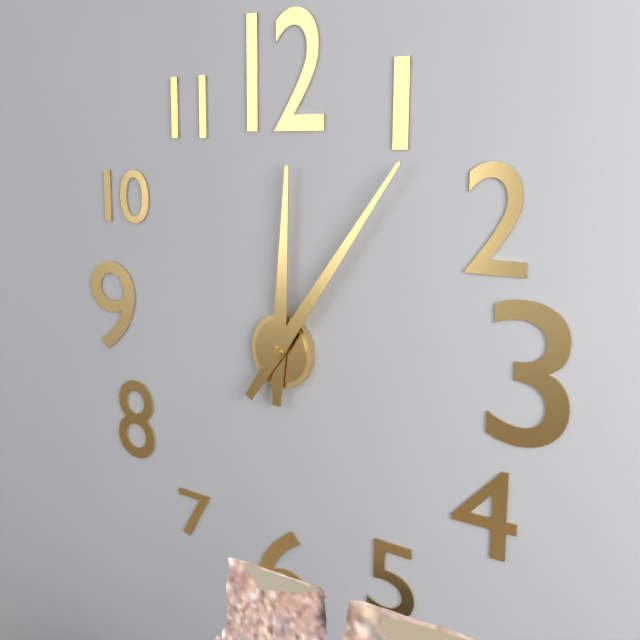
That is 12 h 06 min
